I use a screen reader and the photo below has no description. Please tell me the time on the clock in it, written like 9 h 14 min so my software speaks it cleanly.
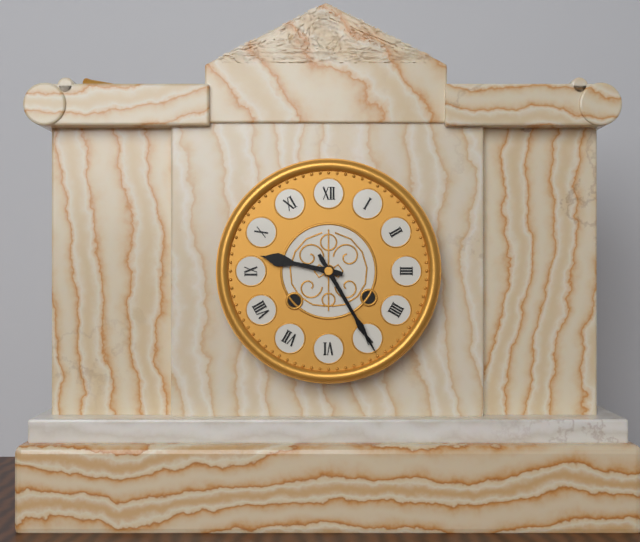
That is 9 h 25 min
